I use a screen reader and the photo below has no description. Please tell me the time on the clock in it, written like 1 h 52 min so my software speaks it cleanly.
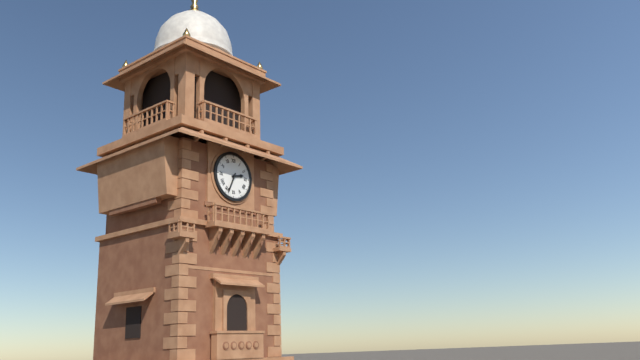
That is 2 h 34 min
